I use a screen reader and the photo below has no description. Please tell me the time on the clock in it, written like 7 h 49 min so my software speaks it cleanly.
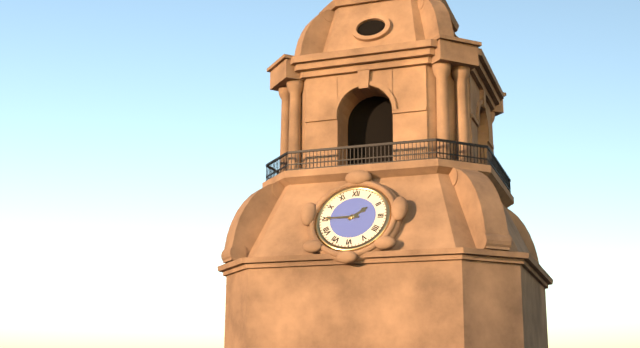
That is 1 h 45 min
